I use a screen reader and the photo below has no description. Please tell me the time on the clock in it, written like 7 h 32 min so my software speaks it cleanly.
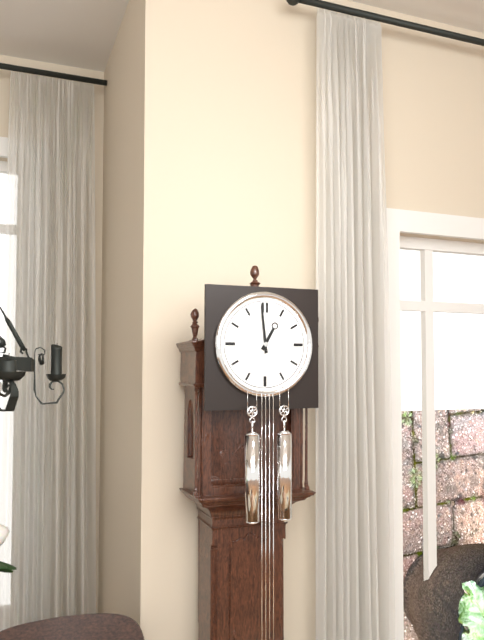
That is 12 h 59 min
